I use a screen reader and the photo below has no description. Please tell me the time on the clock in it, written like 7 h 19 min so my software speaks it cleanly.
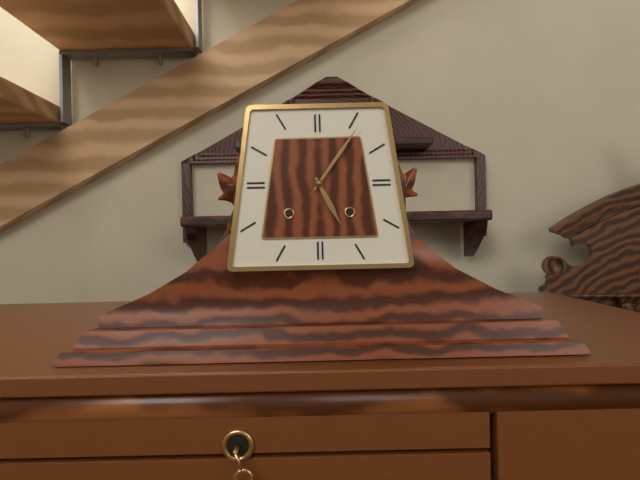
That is 5 h 06 min
